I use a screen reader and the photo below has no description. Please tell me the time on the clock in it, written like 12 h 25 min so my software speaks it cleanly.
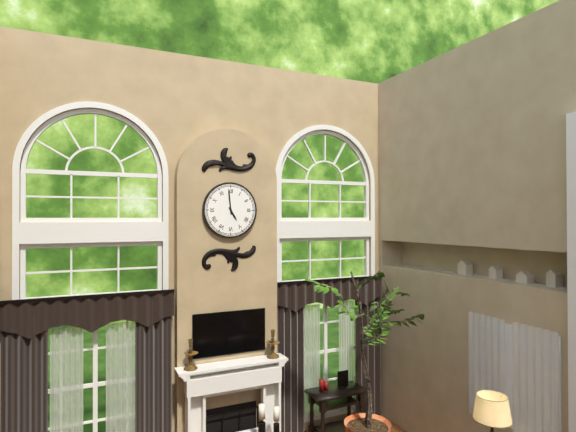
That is 4 h 59 min
